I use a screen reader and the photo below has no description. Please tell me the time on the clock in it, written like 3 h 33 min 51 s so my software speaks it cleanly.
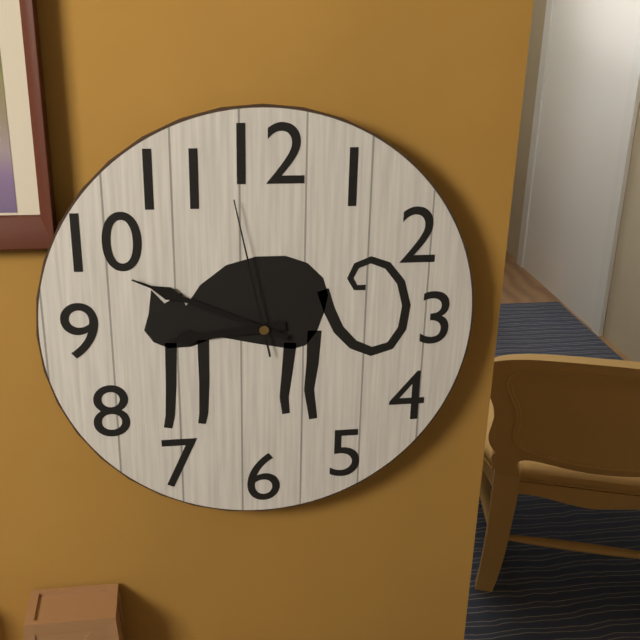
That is 8 h 49 min 58 s
